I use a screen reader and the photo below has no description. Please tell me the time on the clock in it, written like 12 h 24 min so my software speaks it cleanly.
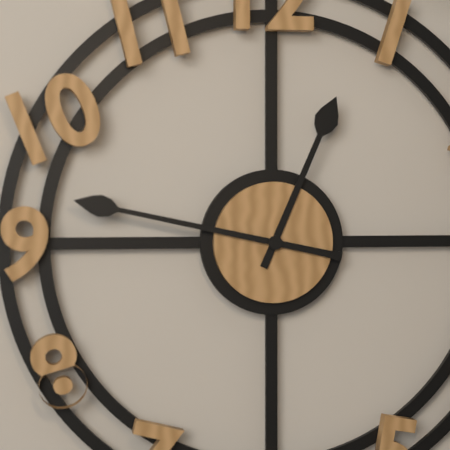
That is 12 h 47 min
